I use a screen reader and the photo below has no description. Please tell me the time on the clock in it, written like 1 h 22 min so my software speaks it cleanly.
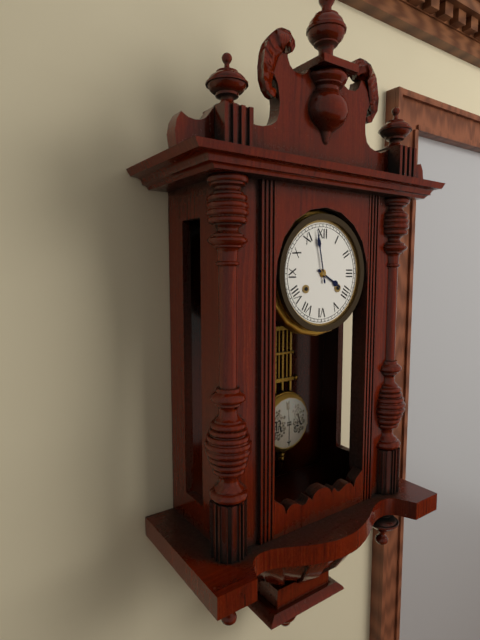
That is 3 h 58 min
